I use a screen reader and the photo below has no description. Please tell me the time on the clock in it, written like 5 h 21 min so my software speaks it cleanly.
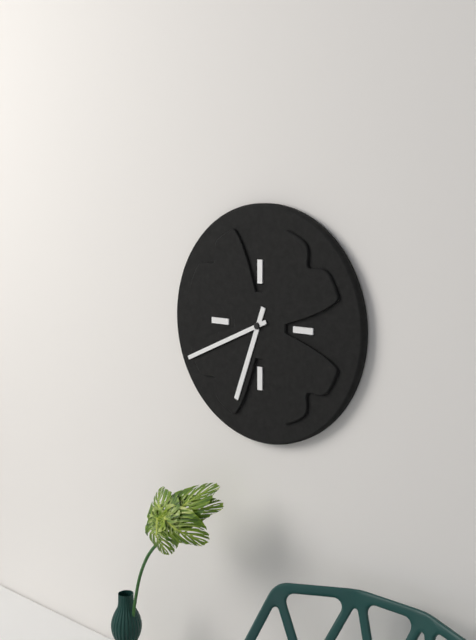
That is 6 h 41 min
